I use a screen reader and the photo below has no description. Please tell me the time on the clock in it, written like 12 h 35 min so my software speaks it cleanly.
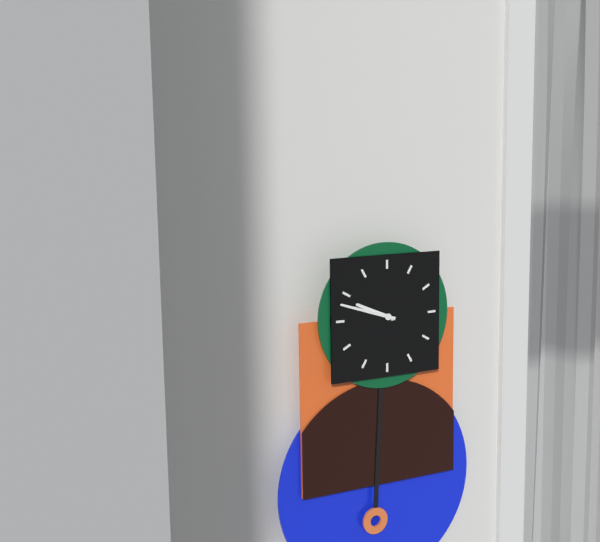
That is 9 h 48 min
